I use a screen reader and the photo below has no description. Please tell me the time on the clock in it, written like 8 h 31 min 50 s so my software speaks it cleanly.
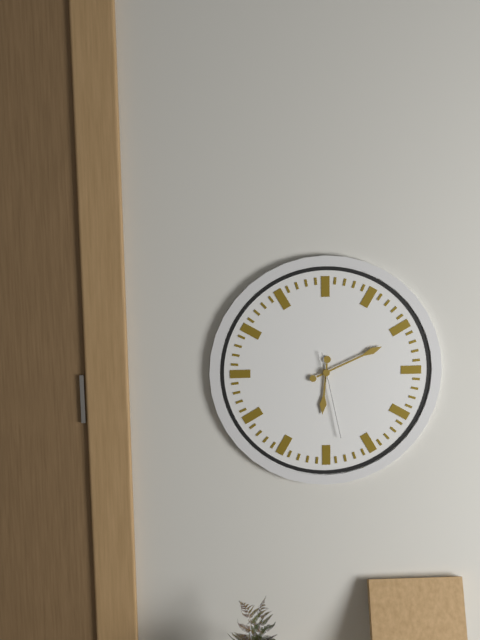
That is 6 h 11 min 28 s
